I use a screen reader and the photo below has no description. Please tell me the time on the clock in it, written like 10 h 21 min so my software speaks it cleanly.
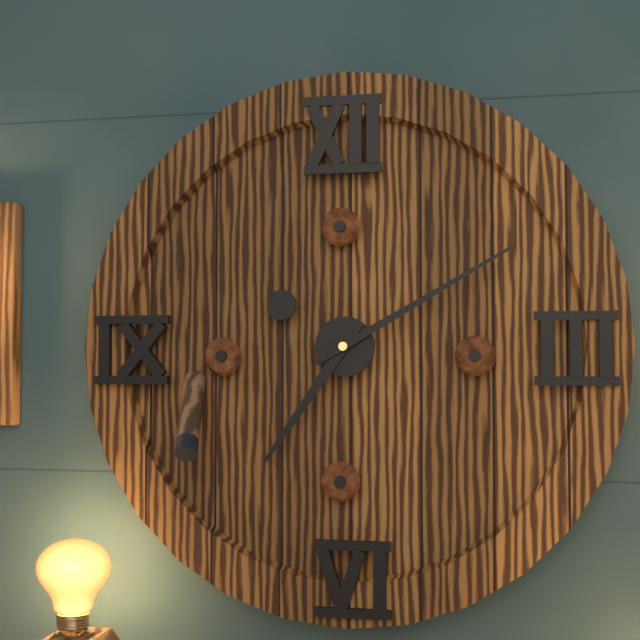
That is 7 h 10 min
